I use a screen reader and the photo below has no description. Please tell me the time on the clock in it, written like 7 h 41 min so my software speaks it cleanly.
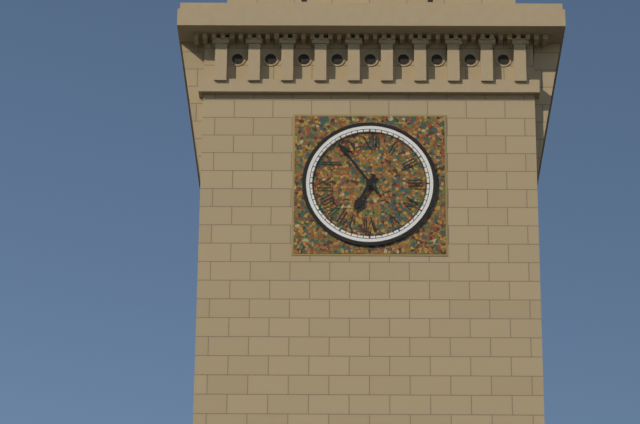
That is 6 h 54 min
